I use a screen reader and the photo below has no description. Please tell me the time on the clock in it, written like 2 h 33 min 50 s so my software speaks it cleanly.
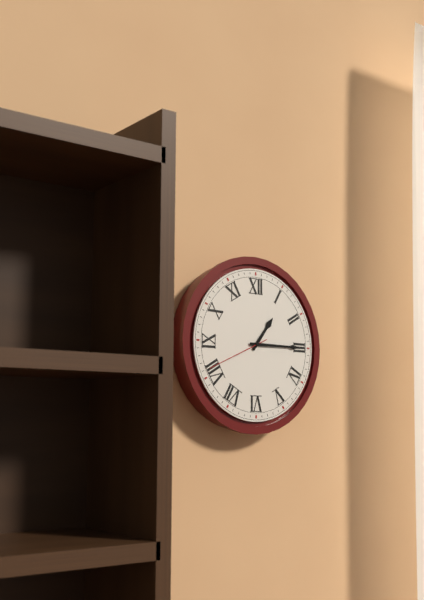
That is 1 h 15 min 41 s
